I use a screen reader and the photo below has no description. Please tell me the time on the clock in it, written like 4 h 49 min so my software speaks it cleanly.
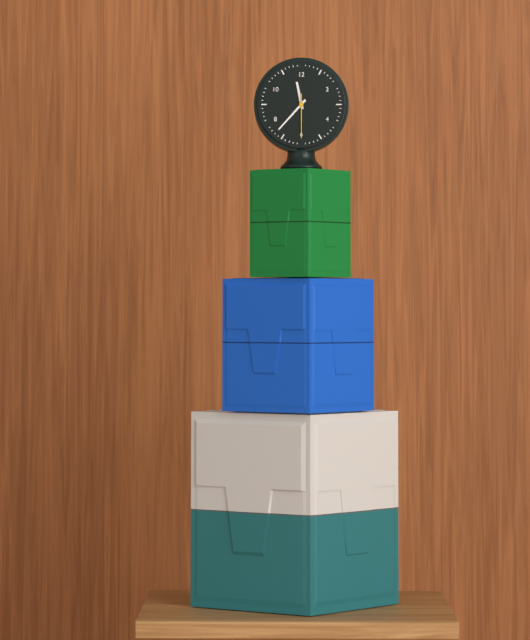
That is 11 h 37 min
